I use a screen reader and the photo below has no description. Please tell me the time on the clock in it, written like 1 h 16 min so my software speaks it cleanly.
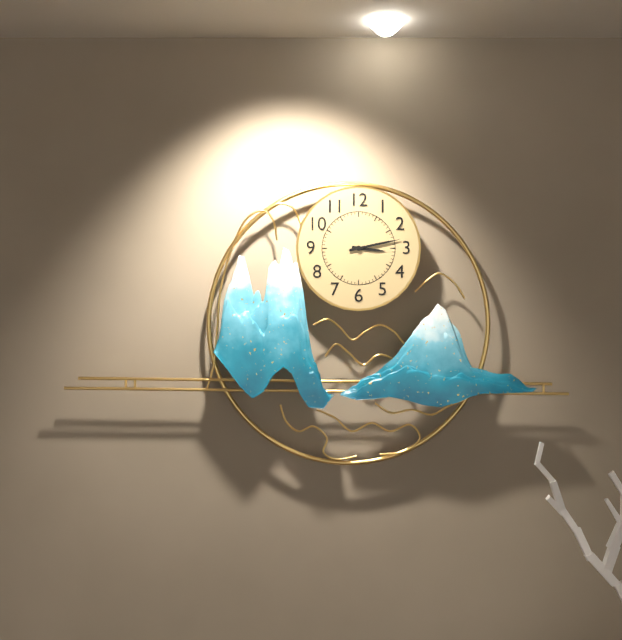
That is 3 h 13 min
